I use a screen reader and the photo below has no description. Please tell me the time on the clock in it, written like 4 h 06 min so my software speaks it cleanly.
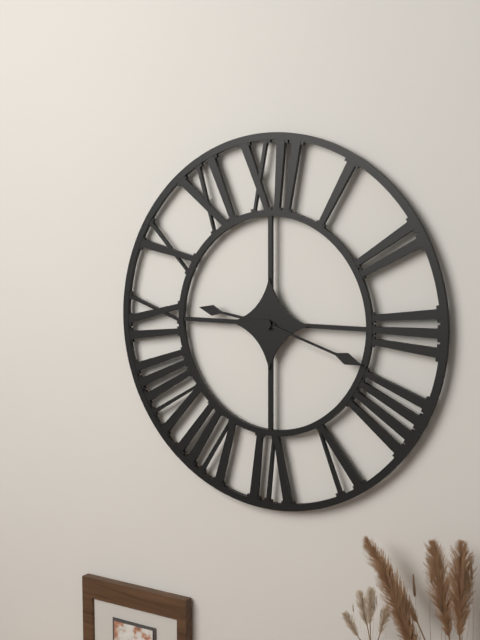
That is 9 h 18 min
